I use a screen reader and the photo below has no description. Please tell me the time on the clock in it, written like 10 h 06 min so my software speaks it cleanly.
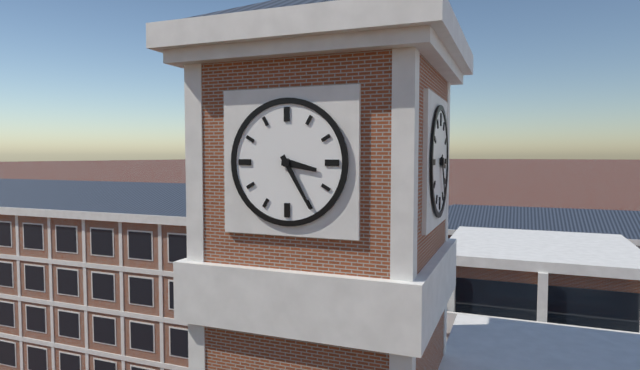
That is 3 h 25 min
